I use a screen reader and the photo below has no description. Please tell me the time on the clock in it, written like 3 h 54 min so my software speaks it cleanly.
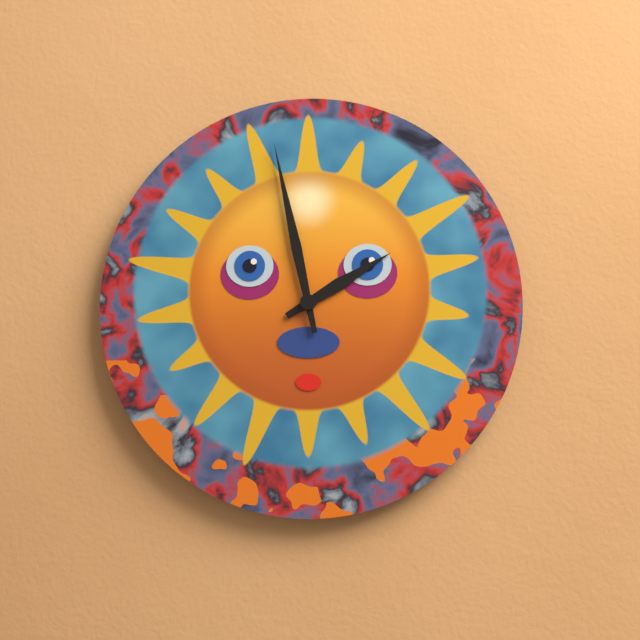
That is 1 h 58 min
